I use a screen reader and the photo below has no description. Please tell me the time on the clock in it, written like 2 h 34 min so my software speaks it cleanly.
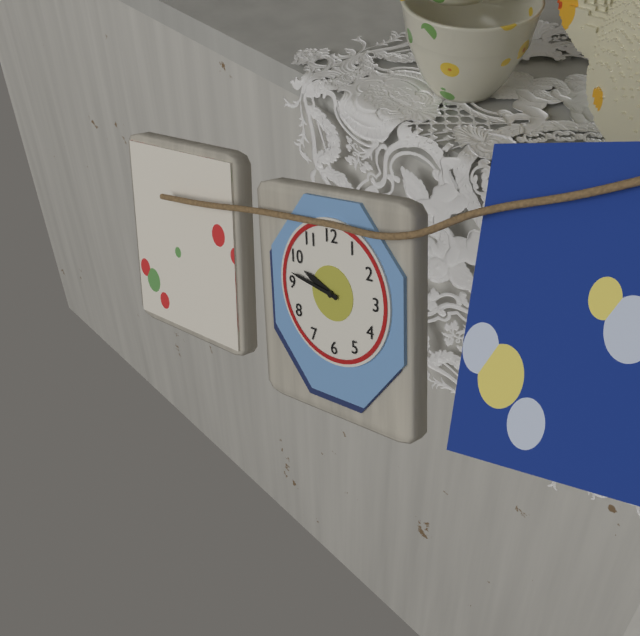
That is 9 h 47 min
